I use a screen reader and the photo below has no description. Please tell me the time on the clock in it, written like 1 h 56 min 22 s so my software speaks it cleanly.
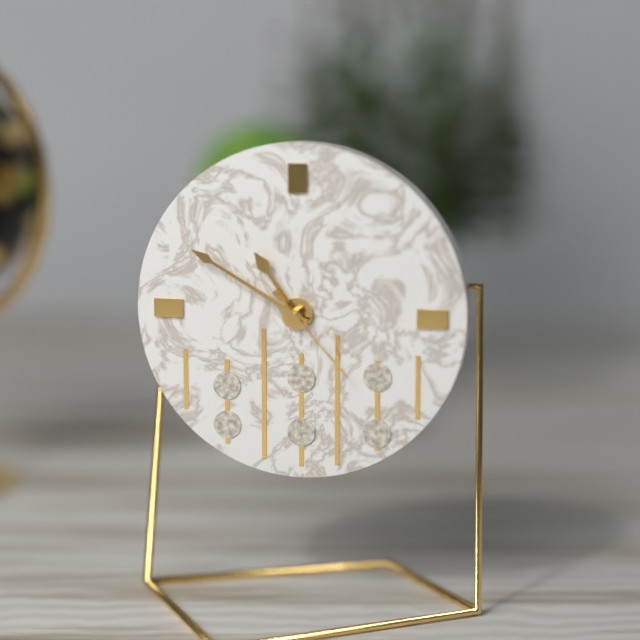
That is 10 h 50 min 23 s
